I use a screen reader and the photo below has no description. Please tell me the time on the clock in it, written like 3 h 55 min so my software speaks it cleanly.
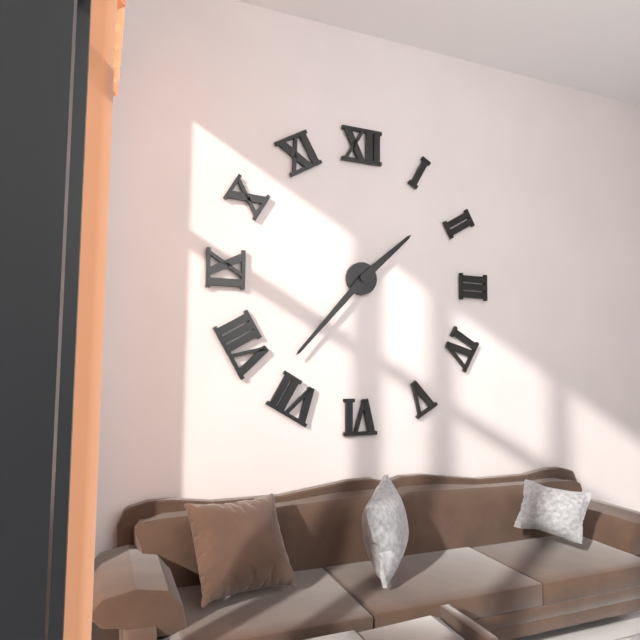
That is 1 h 37 min
